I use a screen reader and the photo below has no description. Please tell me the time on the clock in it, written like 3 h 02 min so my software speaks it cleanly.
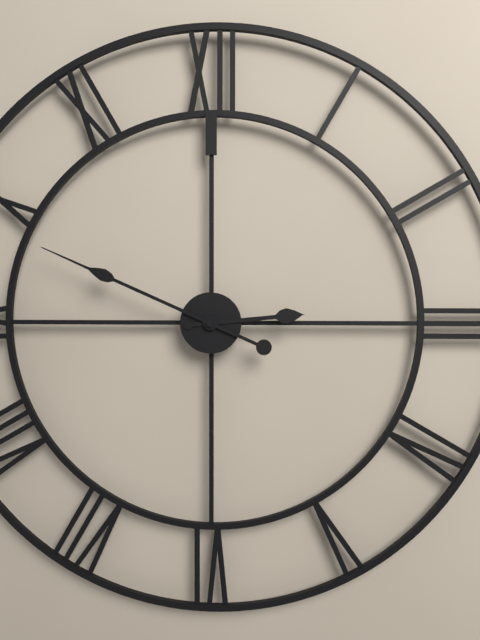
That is 2 h 49 min
